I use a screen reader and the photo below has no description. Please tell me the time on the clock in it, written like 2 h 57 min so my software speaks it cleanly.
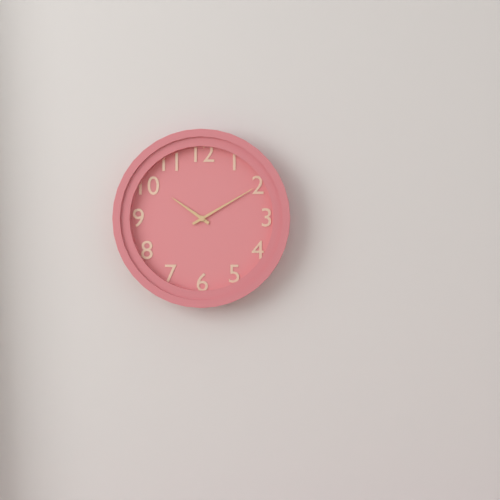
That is 10 h 10 min
